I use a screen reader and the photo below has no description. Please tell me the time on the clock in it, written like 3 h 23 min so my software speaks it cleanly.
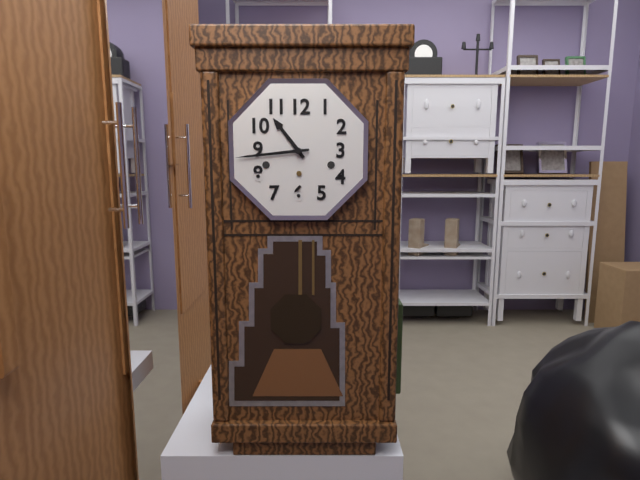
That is 10 h 44 min
